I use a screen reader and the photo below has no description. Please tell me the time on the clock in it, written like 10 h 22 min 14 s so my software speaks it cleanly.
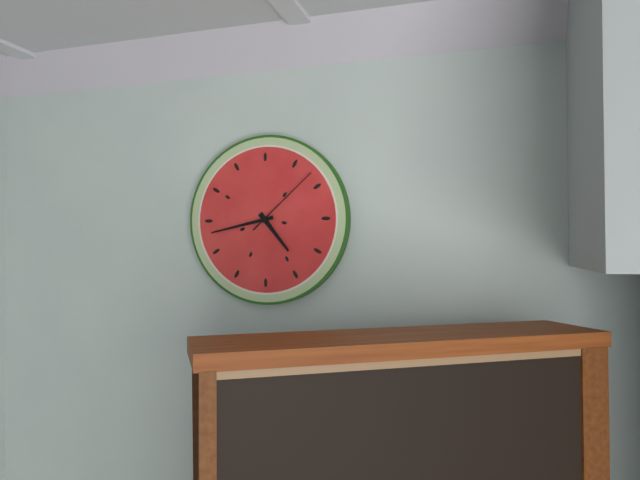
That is 4 h 43 min 08 s
